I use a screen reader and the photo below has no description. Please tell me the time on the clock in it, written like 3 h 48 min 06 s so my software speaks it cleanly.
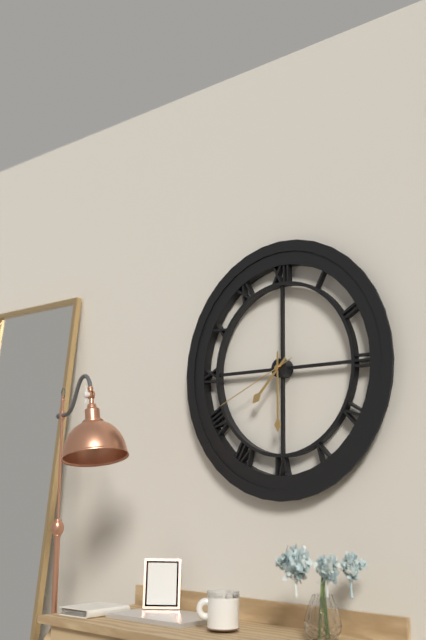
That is 7 h 30 min 41 s
